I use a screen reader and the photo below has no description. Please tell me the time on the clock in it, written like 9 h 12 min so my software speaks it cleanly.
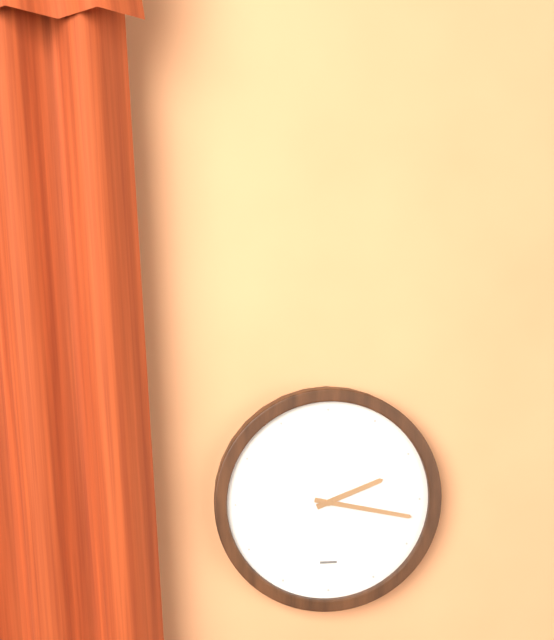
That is 2 h 17 min
